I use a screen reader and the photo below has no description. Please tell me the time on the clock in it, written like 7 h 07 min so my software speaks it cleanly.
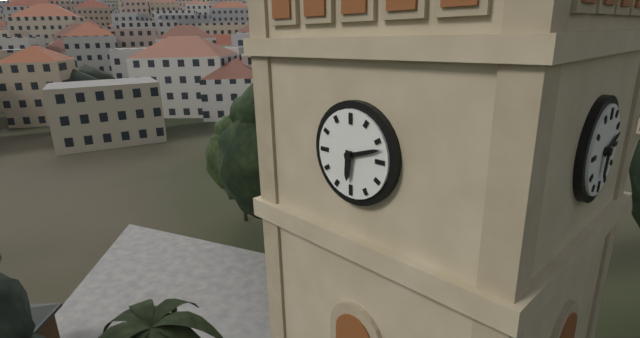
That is 6 h 12 min
